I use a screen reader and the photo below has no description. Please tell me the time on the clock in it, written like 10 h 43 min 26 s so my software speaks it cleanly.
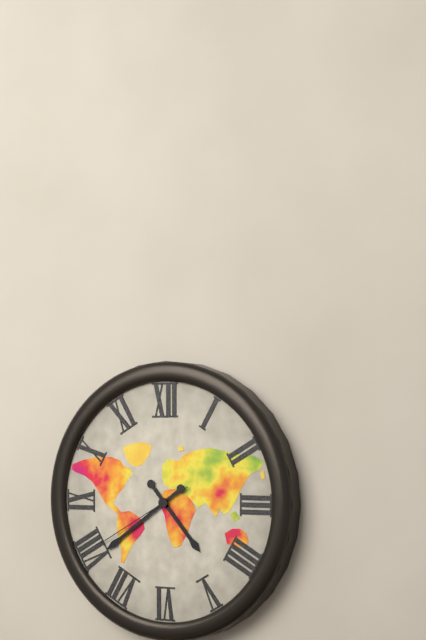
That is 4 h 39 min 40 s
